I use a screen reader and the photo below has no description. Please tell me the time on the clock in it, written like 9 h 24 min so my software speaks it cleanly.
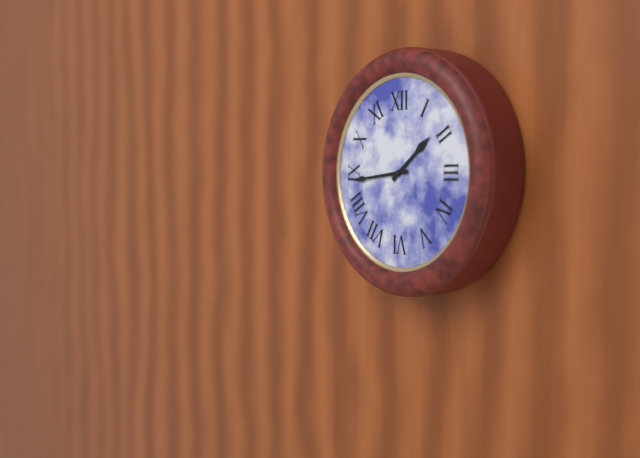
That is 1 h 44 min
